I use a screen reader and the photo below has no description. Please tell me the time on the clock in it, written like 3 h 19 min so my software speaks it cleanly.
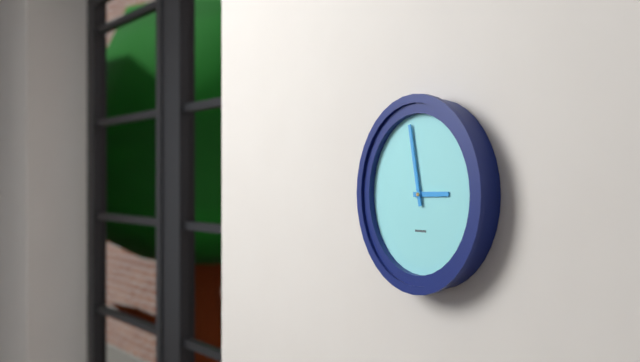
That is 2 h 58 min
